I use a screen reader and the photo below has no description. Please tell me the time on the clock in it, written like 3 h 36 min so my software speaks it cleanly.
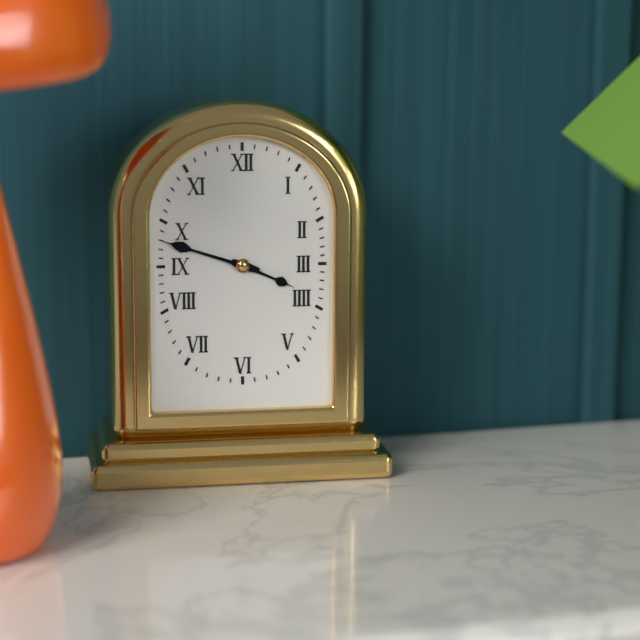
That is 3 h 48 min
